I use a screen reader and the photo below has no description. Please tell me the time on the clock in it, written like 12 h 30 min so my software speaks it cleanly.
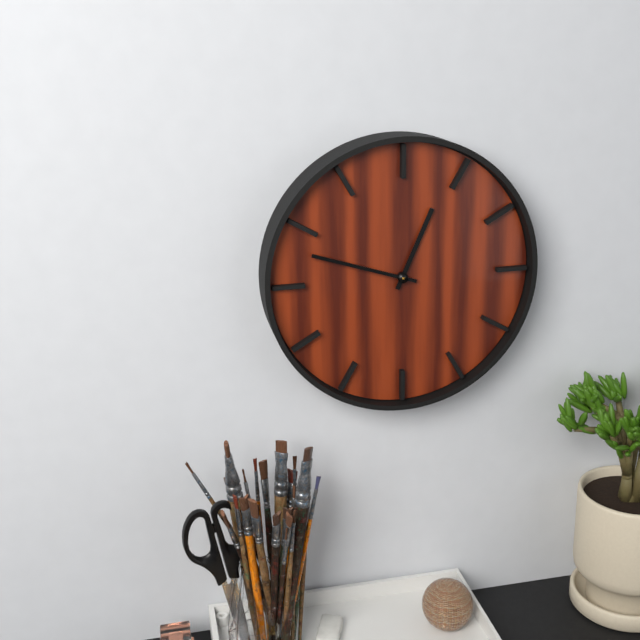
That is 12 h 48 min
